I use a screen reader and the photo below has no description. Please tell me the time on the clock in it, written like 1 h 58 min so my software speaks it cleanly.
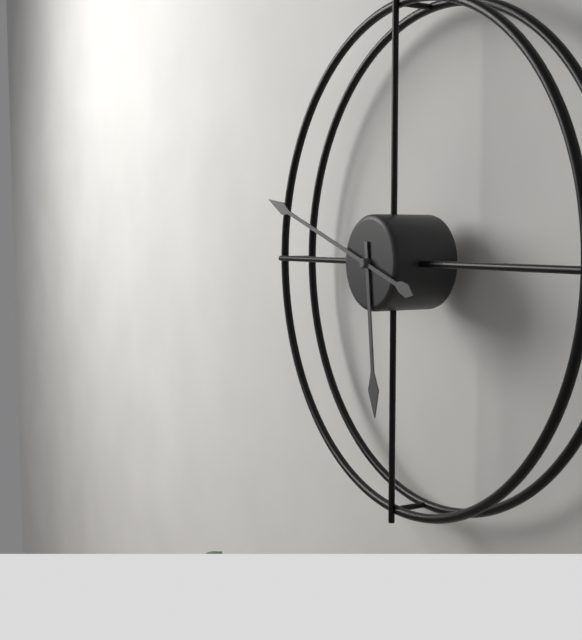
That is 5 h 48 min
